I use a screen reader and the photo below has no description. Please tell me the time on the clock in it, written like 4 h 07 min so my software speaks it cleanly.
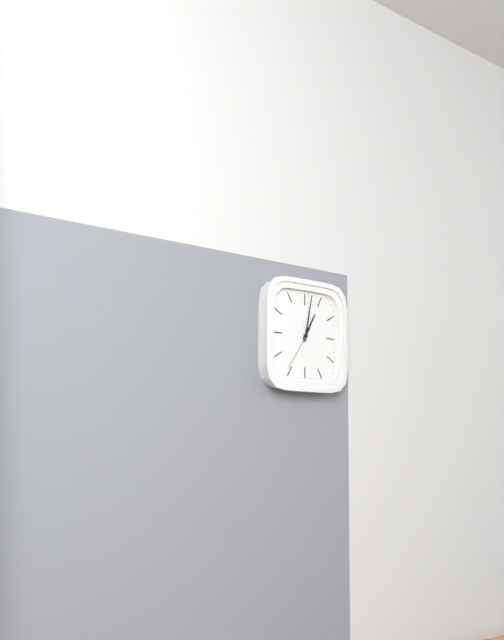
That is 1 h 02 min
